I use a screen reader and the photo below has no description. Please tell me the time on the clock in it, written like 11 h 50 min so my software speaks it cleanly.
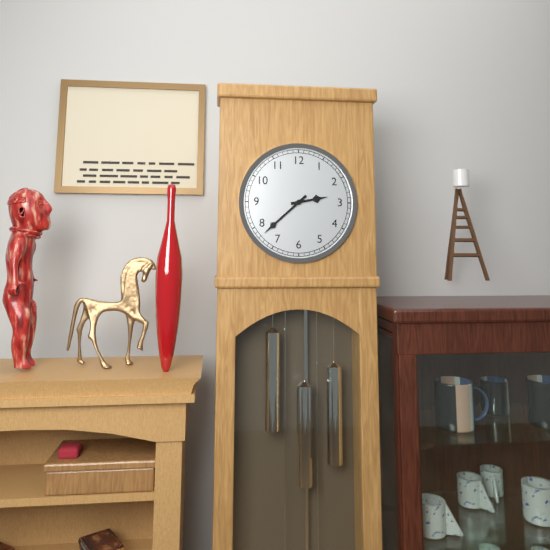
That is 2 h 38 min
